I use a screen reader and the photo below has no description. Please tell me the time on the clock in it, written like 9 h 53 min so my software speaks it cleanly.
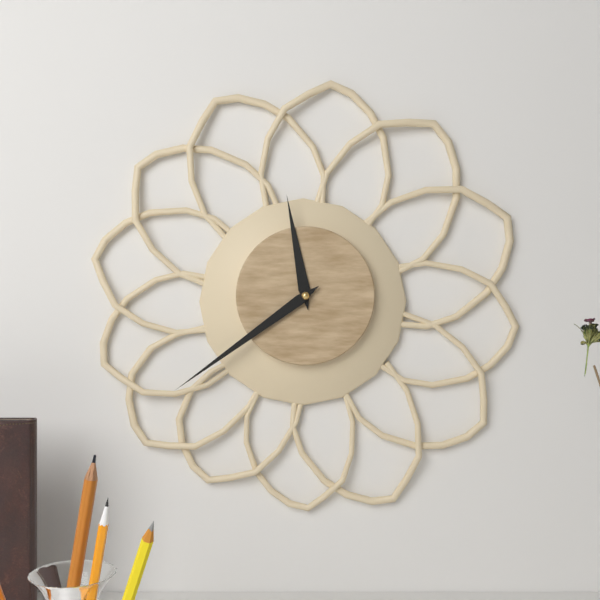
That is 11 h 39 min
